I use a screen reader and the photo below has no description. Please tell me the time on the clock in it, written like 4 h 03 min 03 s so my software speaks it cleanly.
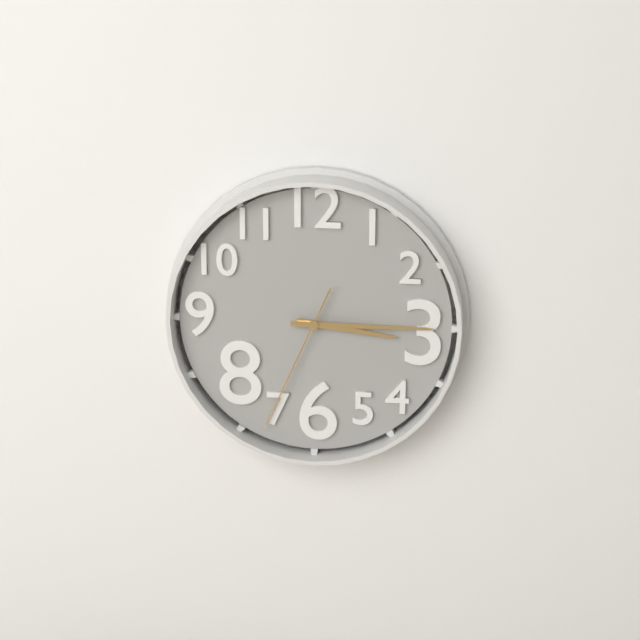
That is 3 h 15 min 34 s
